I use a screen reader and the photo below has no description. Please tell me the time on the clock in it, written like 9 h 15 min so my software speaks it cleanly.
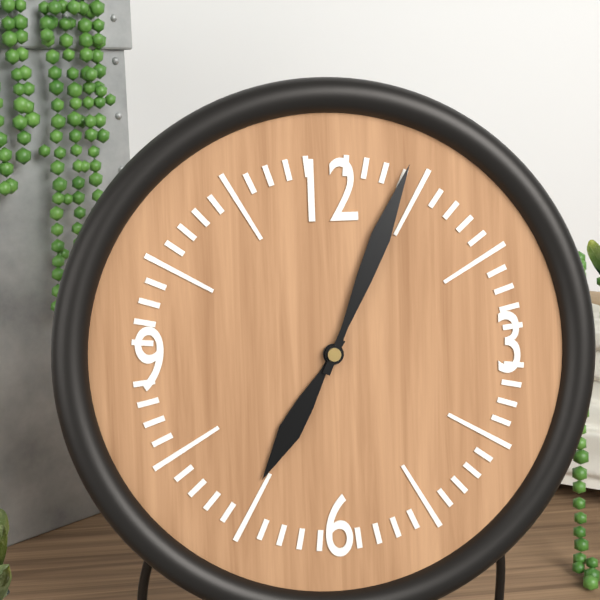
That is 7 h 04 min
